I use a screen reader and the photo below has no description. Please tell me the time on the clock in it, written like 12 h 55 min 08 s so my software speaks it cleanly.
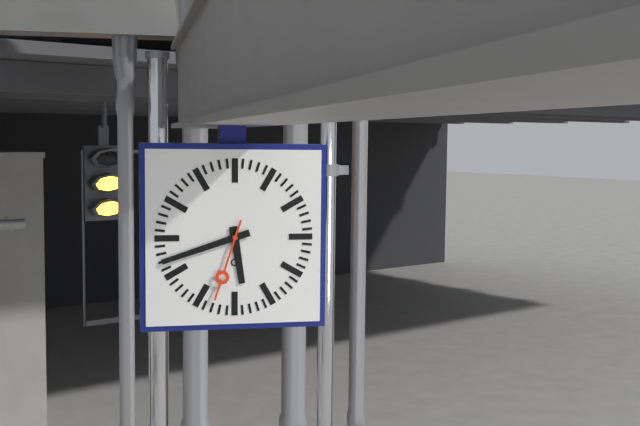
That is 5 h 42 min 33 s
